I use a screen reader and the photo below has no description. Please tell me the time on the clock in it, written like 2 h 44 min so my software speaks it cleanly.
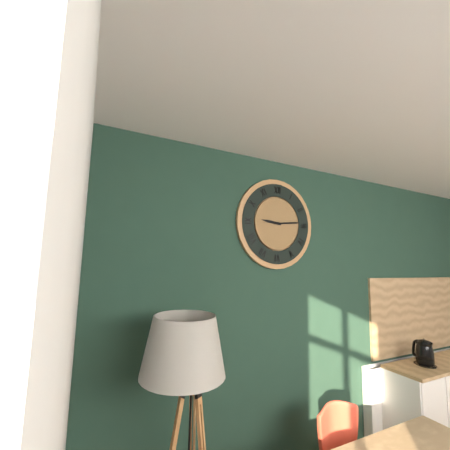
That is 9 h 14 min
